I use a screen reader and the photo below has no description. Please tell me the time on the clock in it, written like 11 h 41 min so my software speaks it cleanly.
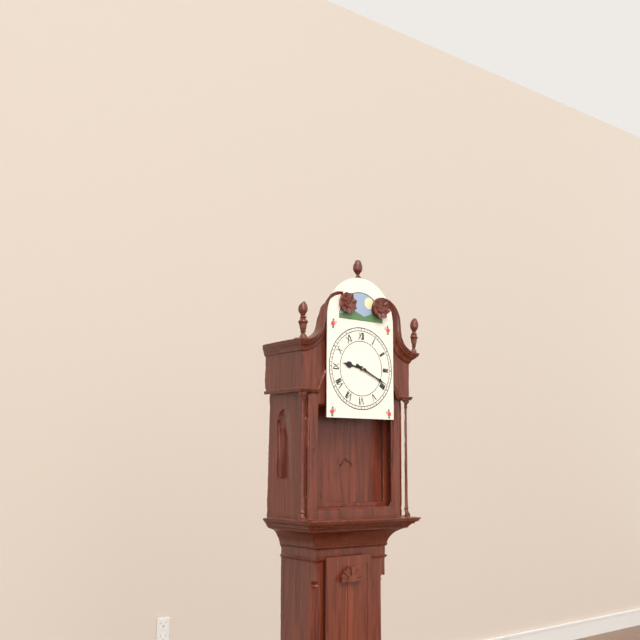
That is 9 h 19 min
